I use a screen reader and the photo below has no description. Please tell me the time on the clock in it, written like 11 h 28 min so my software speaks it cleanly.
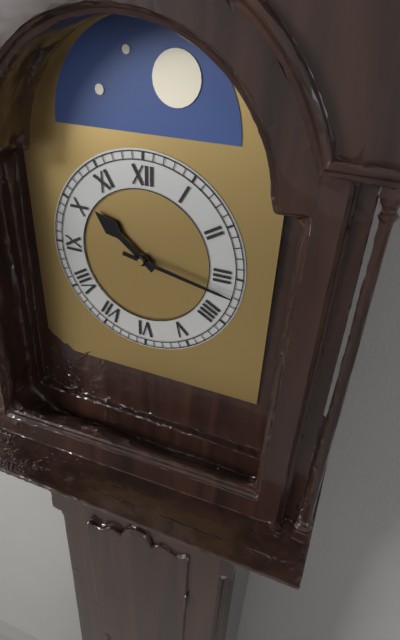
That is 10 h 17 min
